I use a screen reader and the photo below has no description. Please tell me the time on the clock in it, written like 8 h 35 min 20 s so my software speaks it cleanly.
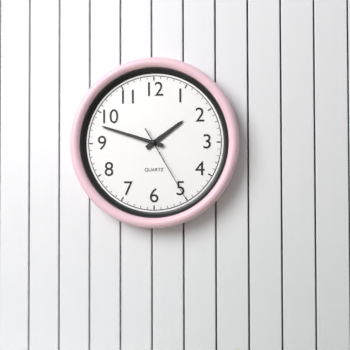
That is 1 h 48 min 25 s
